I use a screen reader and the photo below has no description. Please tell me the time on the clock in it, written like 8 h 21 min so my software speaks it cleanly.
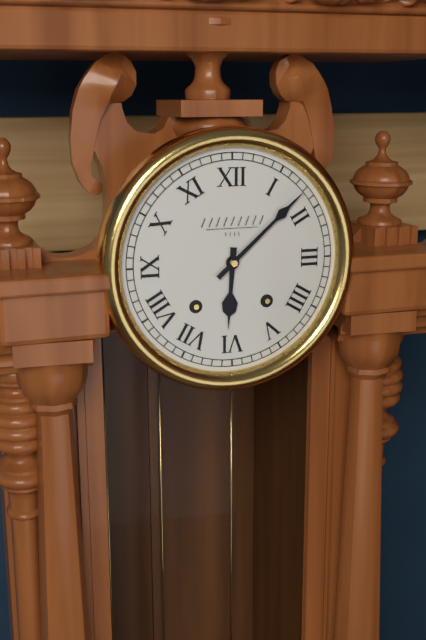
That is 6 h 08 min
